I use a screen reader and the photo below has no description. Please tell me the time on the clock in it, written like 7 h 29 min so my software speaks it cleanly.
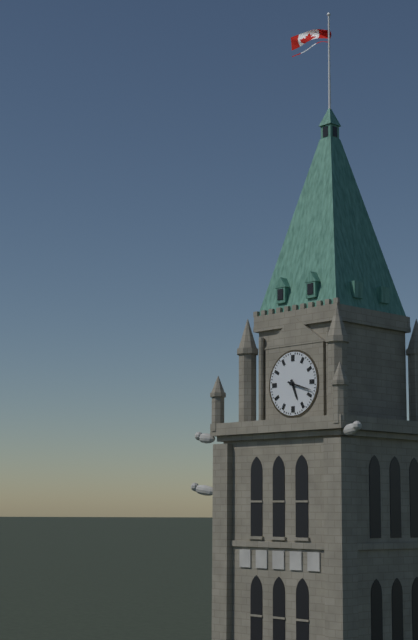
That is 5 h 18 min
